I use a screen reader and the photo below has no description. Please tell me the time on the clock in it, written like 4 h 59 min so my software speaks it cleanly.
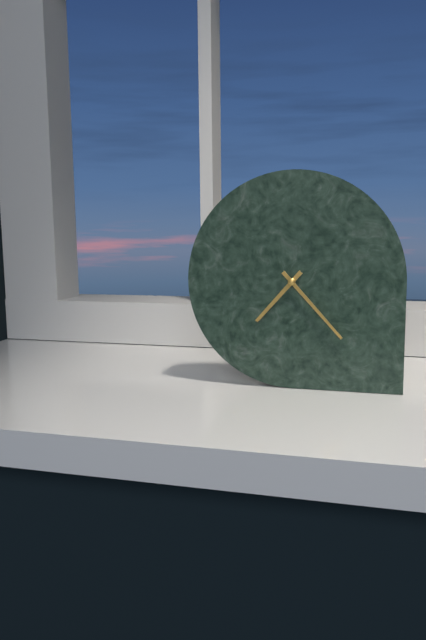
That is 7 h 23 min
